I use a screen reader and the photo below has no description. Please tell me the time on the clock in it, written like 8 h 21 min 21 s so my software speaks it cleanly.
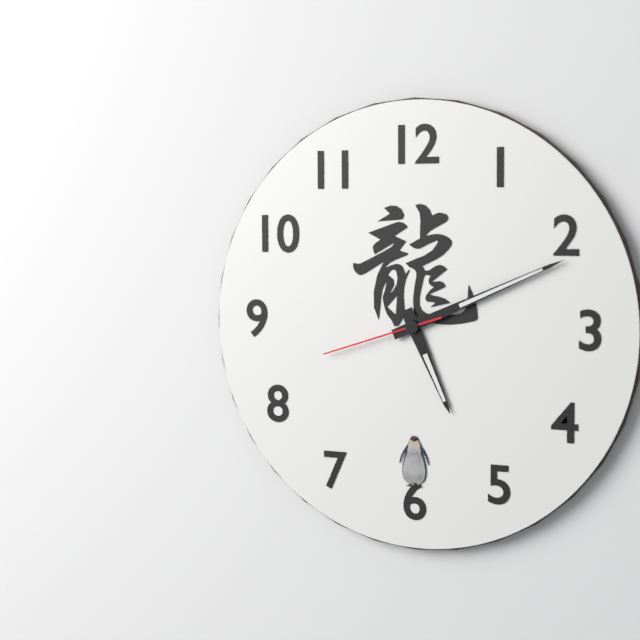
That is 5 h 11 min 42 s
